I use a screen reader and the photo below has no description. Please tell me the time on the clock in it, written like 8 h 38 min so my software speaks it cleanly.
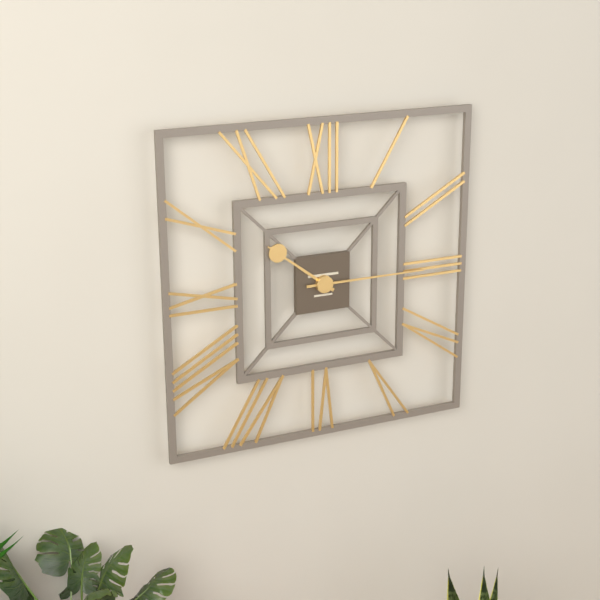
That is 10 h 15 min
